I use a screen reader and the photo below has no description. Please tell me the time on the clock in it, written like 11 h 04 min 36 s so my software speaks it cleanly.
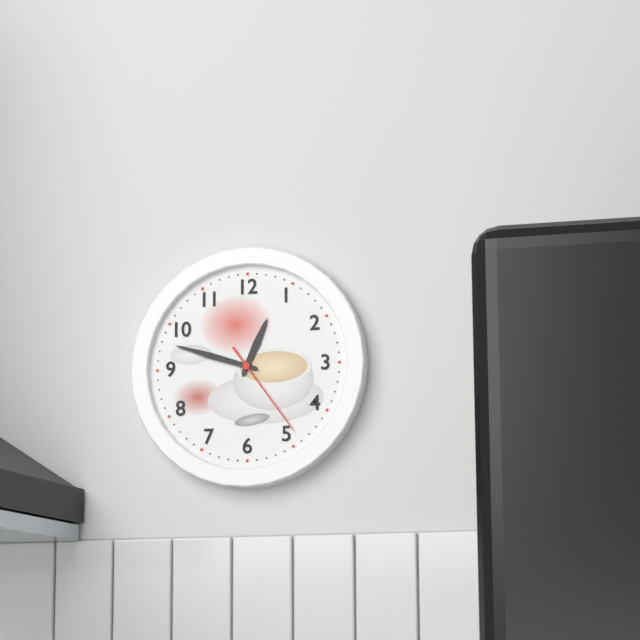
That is 12 h 48 min 24 s
